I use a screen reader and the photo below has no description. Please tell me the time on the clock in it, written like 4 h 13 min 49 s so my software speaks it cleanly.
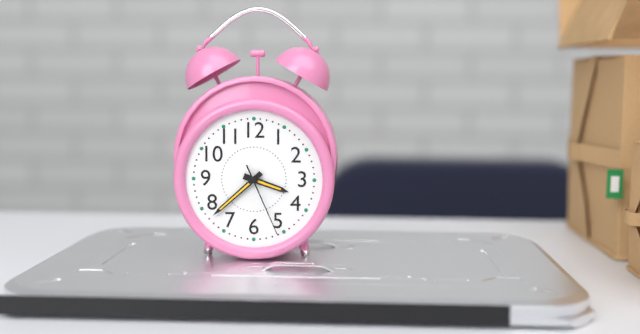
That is 3 h 38 min 26 s
